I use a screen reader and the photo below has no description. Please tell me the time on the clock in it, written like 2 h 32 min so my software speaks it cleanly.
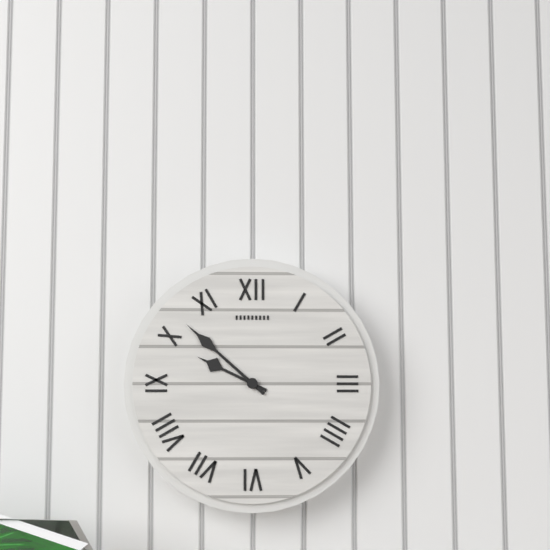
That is 9 h 52 min
